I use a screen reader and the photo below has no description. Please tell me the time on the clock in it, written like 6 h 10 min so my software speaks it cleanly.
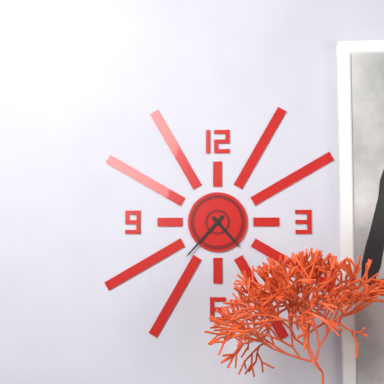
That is 4 h 37 min
